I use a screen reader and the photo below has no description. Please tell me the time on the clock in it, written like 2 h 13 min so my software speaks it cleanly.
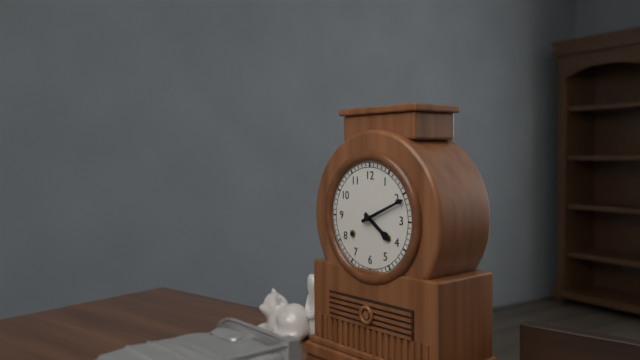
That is 4 h 11 min
